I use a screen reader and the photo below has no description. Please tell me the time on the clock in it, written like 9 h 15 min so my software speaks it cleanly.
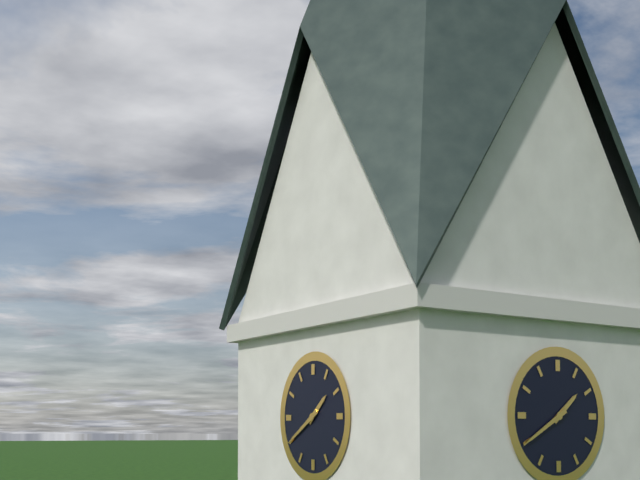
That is 1 h 40 min
